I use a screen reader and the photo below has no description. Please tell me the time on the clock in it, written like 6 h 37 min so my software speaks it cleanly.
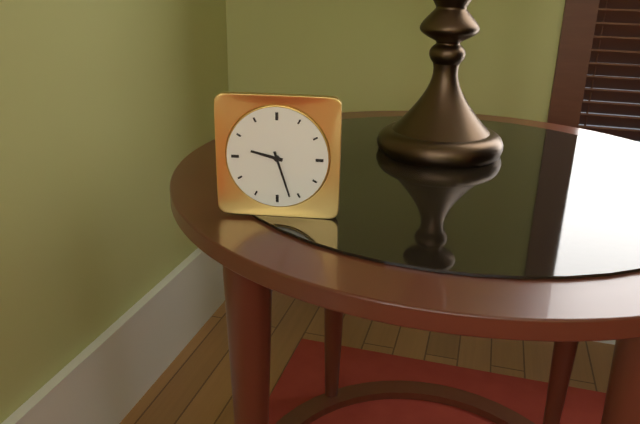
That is 9 h 27 min
